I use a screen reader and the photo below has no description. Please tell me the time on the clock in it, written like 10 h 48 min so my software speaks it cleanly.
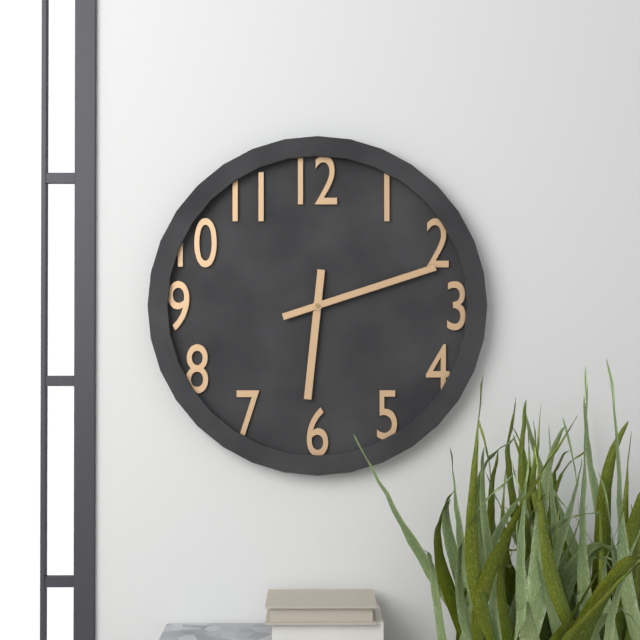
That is 6 h 12 min
